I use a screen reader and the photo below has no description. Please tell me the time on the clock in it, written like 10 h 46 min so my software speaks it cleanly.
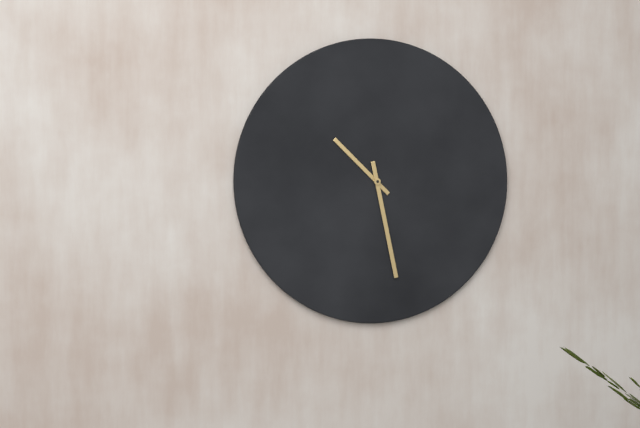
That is 10 h 28 min
